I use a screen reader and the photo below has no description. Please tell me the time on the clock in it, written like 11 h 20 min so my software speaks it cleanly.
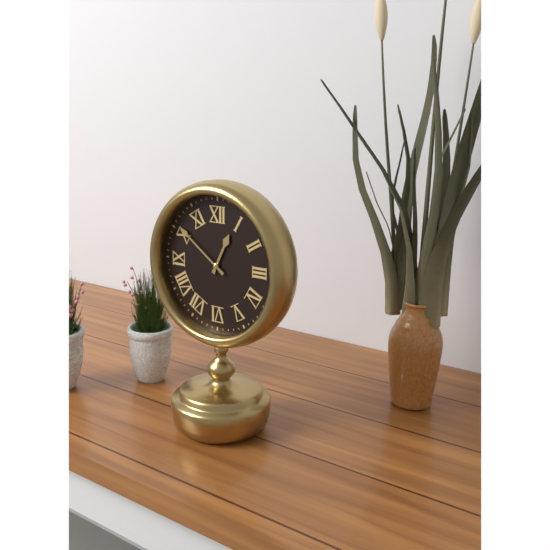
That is 12 h 51 min
